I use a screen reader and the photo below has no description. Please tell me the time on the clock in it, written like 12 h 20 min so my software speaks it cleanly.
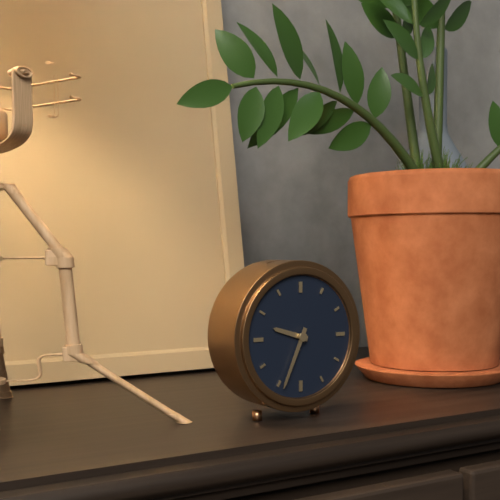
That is 9 h 34 min
